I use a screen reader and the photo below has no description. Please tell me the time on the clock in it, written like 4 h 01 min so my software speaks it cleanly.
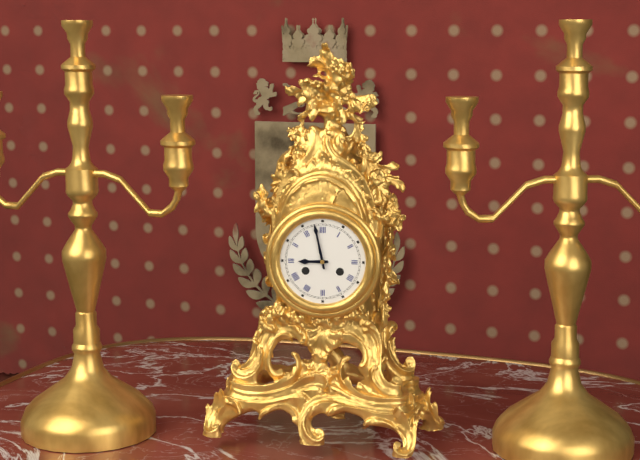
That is 8 h 58 min
